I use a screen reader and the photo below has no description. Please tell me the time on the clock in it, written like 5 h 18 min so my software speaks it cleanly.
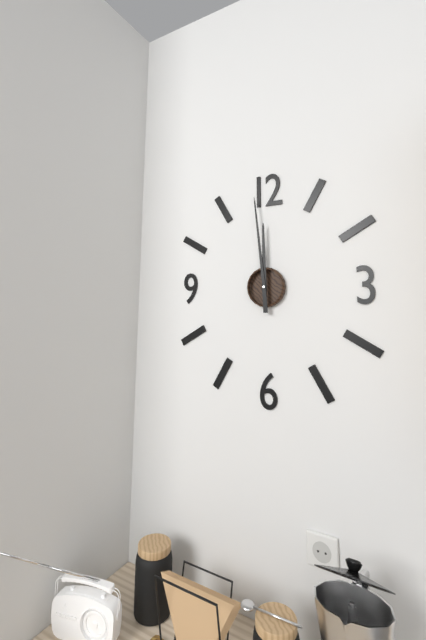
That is 11 h 59 min
